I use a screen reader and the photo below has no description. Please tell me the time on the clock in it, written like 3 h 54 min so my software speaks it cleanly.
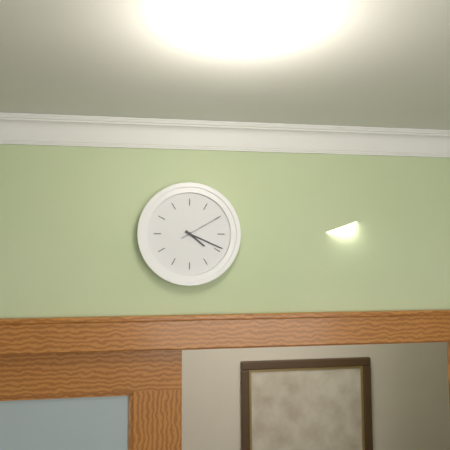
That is 4 h 19 min
